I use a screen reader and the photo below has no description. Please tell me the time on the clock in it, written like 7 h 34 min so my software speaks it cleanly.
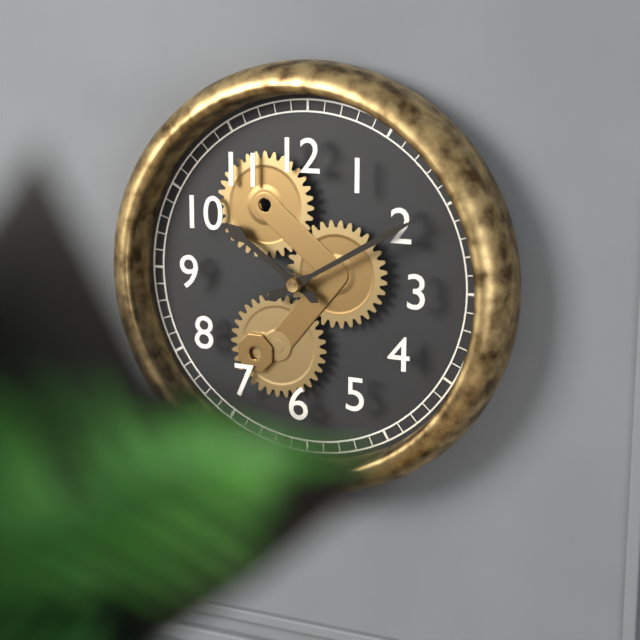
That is 10 h 10 min
